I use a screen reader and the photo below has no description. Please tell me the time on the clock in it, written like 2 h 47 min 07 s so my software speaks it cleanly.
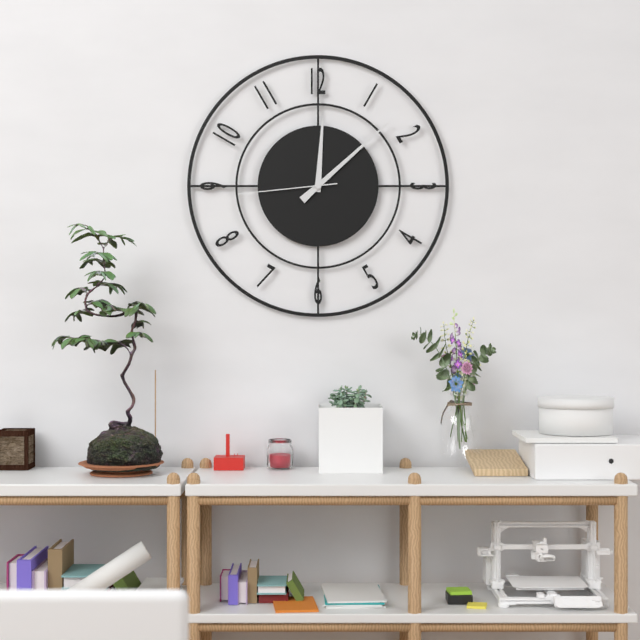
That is 12 h 08 min 44 s
